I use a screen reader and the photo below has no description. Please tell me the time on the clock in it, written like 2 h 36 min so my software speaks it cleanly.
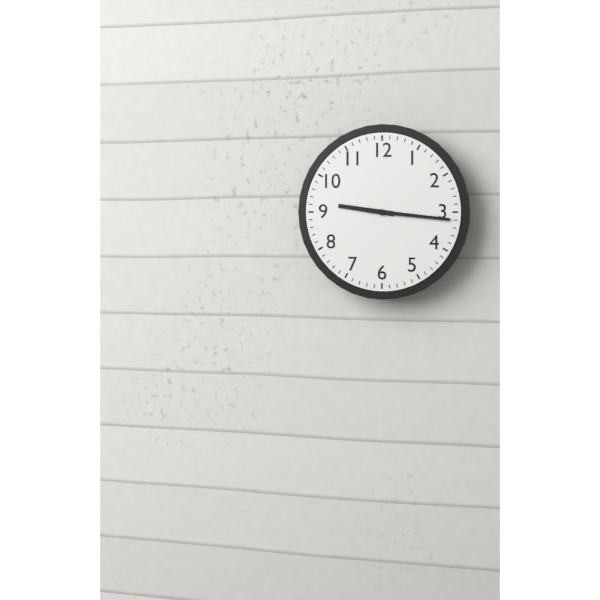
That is 9 h 16 min
